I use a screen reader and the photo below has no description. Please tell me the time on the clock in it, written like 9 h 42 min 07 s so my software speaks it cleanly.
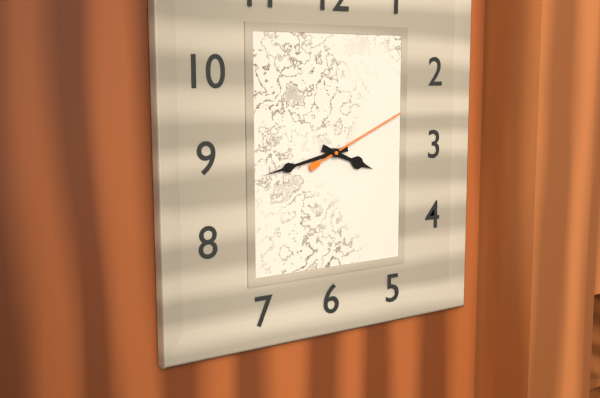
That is 3 h 43 min 11 s
